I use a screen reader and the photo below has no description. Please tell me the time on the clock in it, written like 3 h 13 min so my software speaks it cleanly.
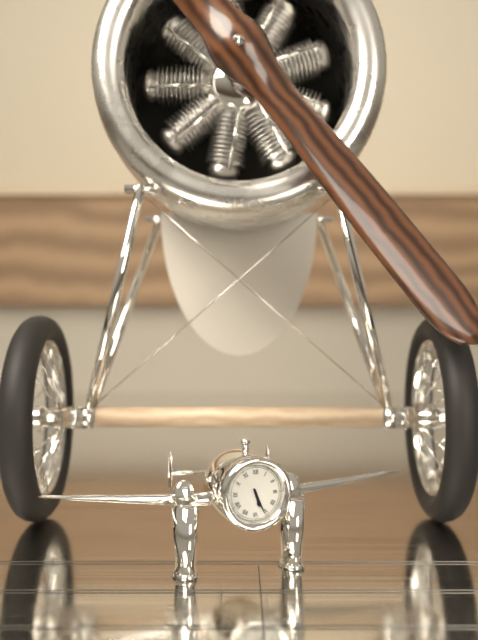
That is 5 h 26 min
